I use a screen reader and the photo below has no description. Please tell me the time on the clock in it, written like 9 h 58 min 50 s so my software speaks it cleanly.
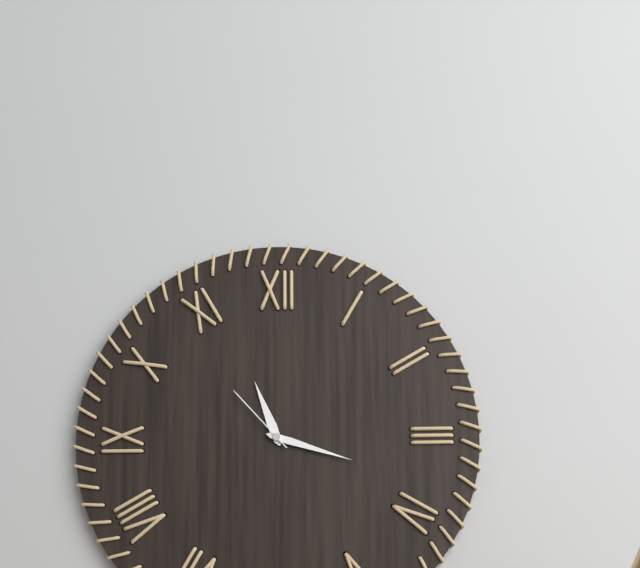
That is 11 h 18 min 53 s
